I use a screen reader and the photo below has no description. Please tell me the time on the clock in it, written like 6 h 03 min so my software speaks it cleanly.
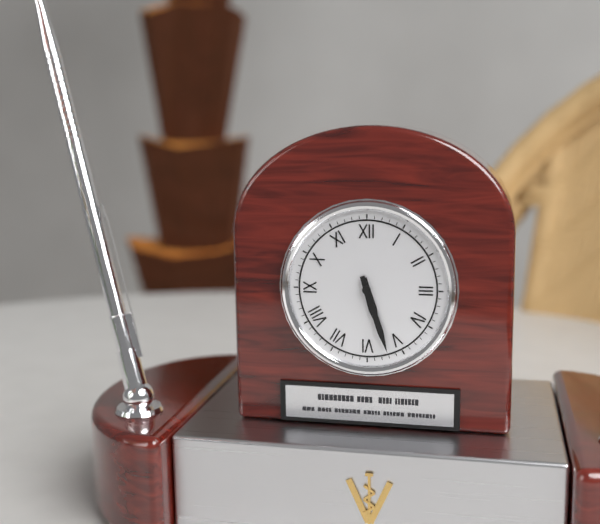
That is 5 h 27 min
